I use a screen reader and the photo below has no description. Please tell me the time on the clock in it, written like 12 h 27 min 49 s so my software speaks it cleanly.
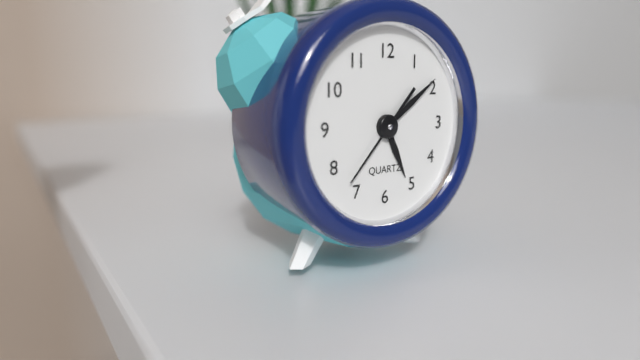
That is 5 h 09 min 37 s
